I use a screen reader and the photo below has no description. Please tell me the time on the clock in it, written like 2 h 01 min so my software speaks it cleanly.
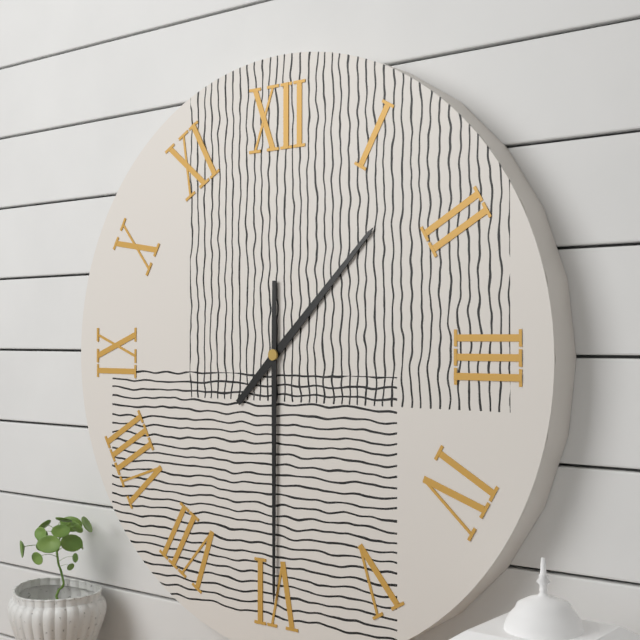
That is 1 h 30 min
